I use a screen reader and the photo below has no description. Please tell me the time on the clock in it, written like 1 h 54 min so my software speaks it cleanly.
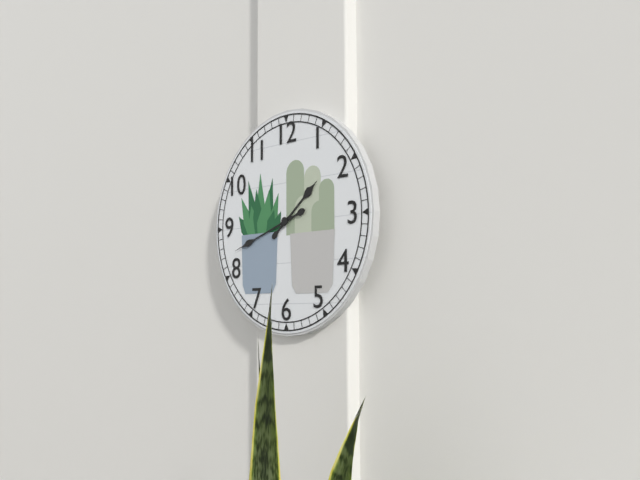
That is 1 h 42 min
